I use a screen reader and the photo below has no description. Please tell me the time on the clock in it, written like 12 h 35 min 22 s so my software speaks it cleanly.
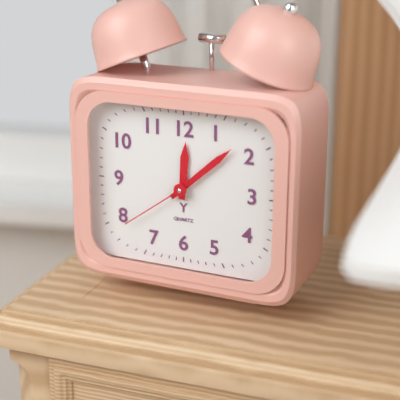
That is 12 h 08 min 39 s
